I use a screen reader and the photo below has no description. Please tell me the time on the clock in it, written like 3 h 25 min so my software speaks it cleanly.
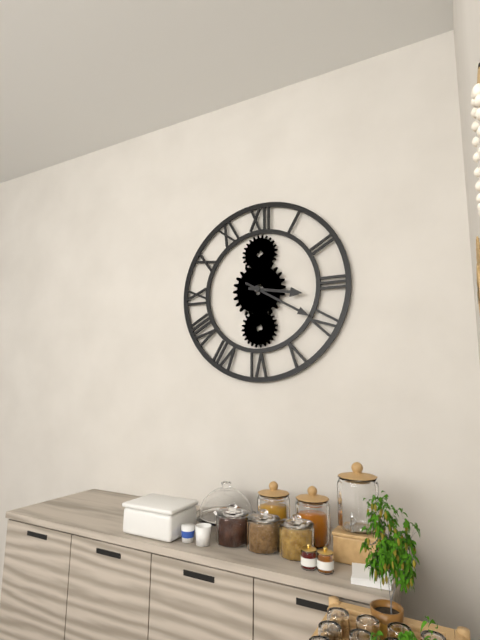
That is 3 h 20 min
